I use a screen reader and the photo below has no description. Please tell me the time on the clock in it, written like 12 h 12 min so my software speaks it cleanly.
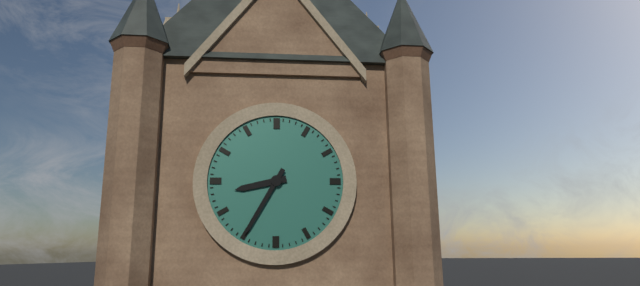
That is 8 h 35 min
